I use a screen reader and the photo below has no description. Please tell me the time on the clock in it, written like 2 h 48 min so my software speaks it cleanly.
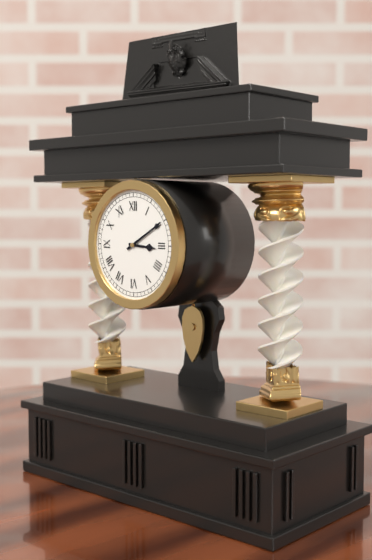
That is 3 h 10 min
